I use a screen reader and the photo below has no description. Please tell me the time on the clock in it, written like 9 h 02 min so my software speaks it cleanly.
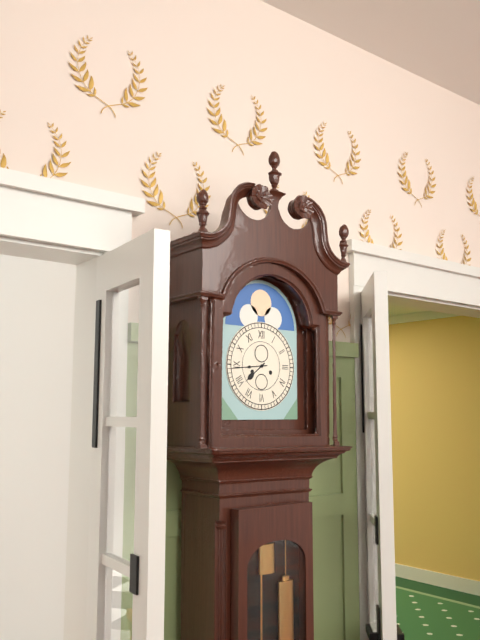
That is 7 h 44 min
